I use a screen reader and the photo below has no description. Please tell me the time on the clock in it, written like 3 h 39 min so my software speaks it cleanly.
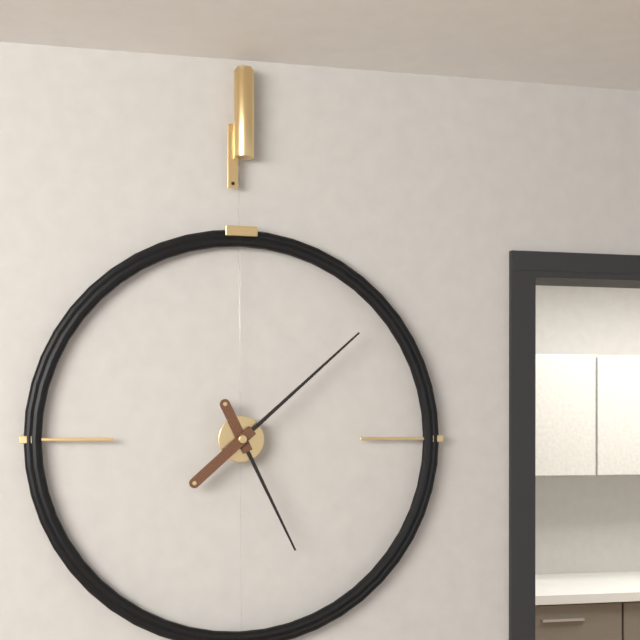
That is 5 h 08 min
